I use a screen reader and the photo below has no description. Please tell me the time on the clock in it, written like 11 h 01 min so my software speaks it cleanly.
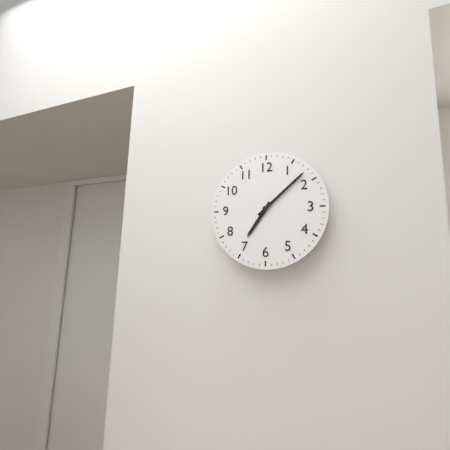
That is 7 h 08 min
